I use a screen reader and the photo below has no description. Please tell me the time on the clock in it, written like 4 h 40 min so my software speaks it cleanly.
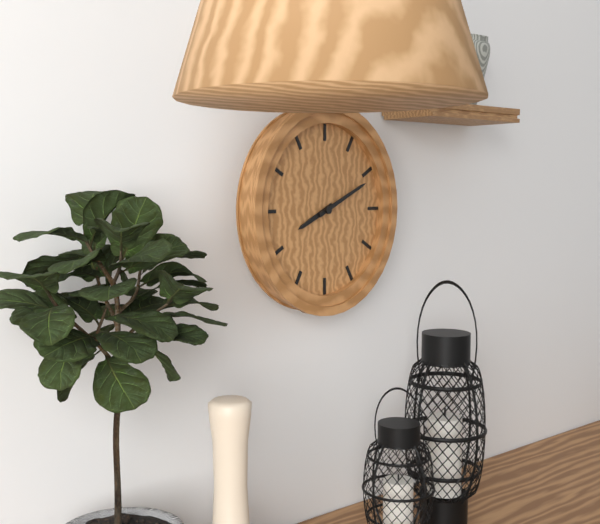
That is 8 h 11 min
